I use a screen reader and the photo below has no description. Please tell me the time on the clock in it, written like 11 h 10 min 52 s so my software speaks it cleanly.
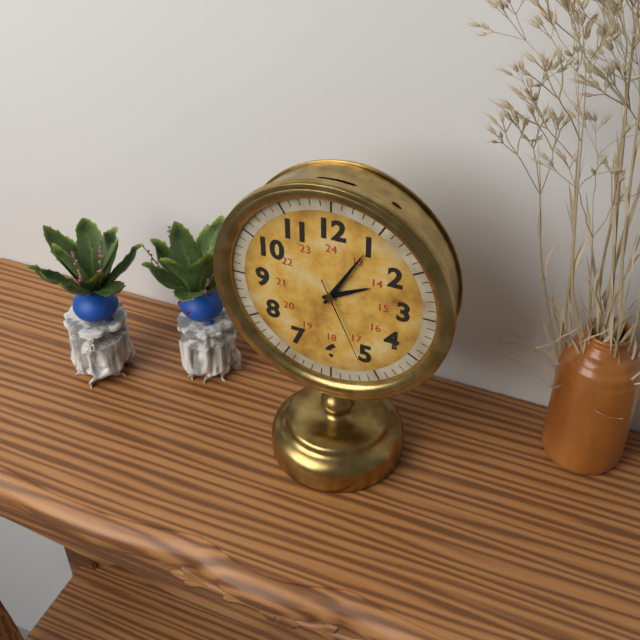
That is 2 h 05 min 26 s
